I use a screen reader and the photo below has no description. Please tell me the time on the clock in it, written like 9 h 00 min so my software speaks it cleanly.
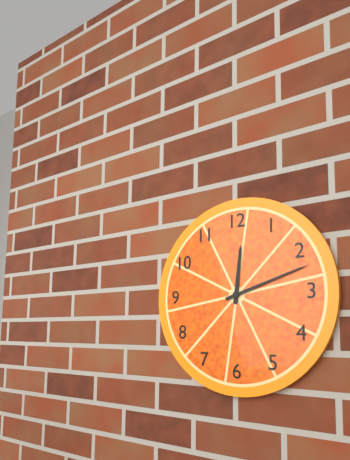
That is 12 h 12 min
